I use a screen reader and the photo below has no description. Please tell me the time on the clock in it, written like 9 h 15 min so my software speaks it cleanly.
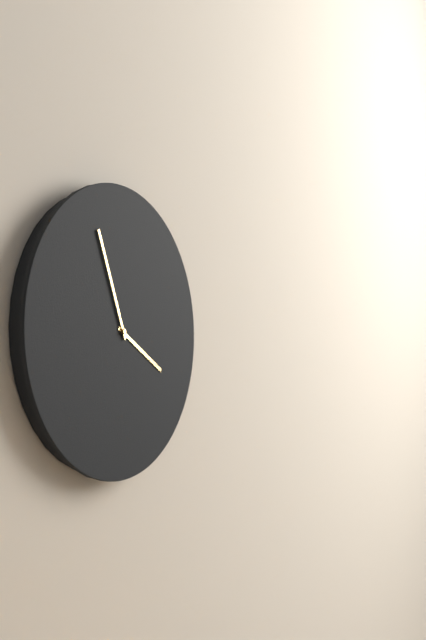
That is 3 h 56 min
